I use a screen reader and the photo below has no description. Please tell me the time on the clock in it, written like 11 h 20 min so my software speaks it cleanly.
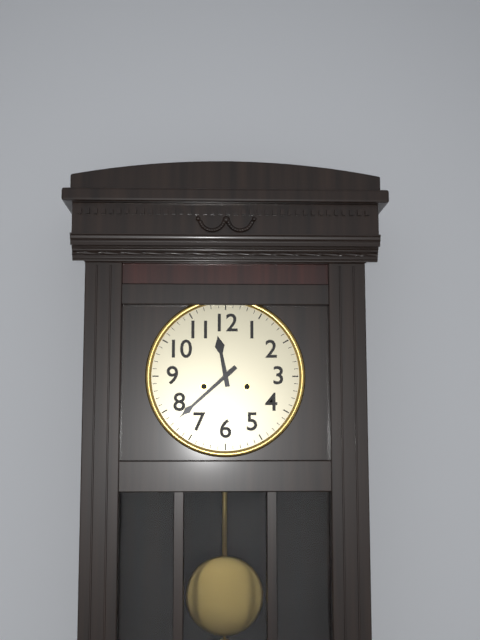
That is 11 h 38 min
